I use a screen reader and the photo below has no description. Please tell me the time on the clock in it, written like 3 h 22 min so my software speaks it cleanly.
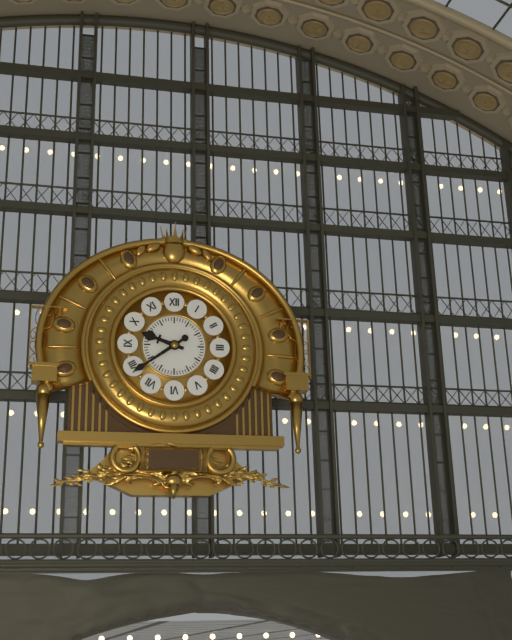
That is 9 h 39 min
